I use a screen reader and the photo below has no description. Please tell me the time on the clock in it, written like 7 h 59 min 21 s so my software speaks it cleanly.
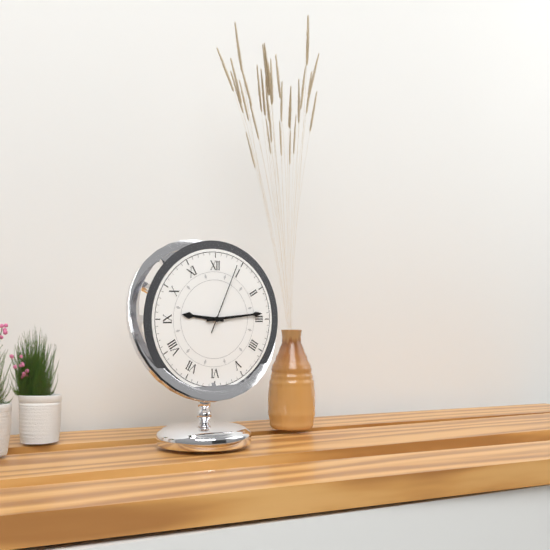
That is 9 h 14 min 04 s
